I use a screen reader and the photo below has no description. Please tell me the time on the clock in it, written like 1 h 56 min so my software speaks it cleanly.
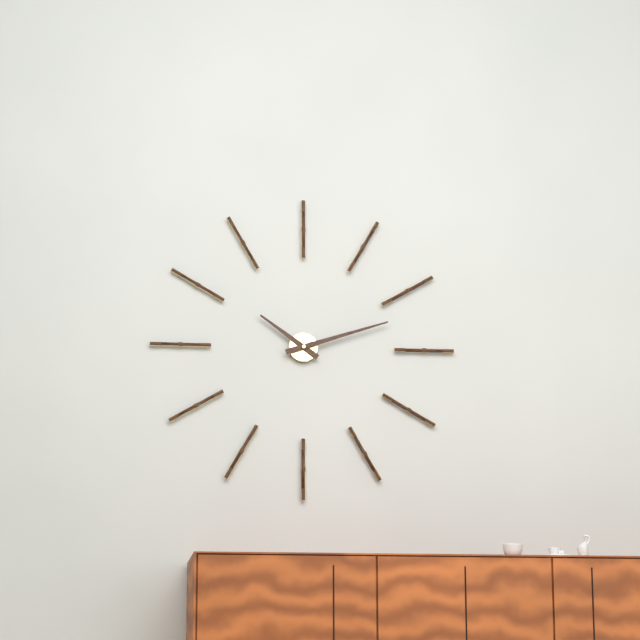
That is 10 h 12 min
